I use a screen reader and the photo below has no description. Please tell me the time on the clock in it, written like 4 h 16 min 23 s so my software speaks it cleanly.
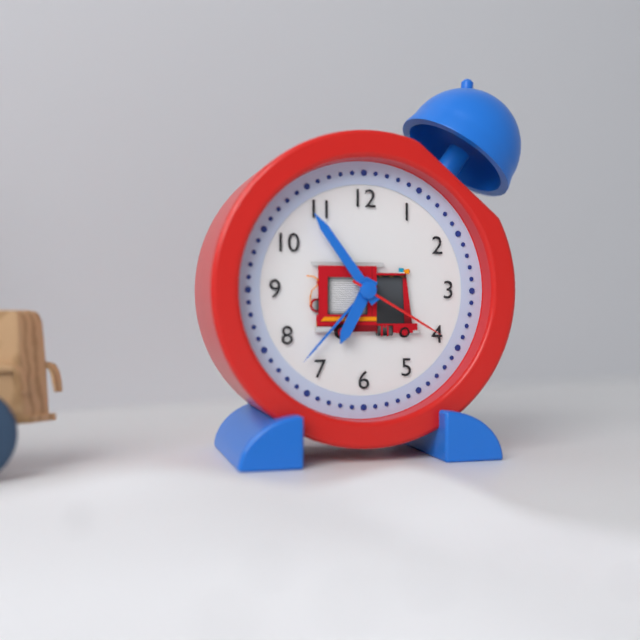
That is 6 h 54 min 20 s
